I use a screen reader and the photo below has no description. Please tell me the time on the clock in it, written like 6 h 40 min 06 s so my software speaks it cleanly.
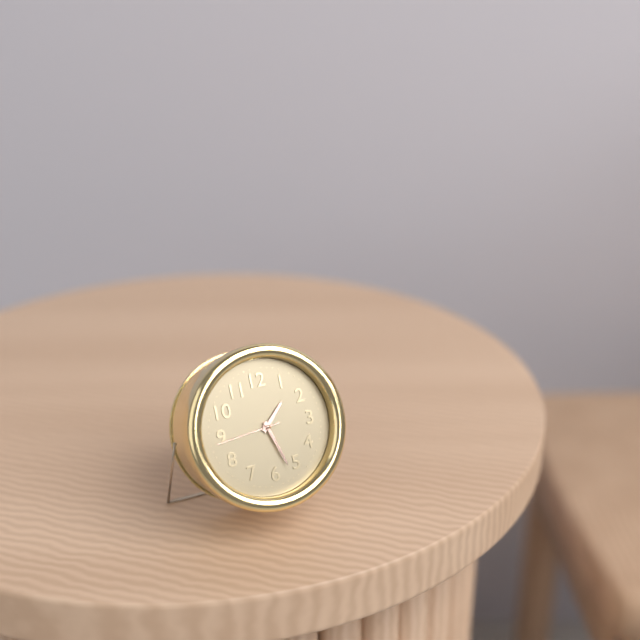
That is 1 h 27 min 44 s
